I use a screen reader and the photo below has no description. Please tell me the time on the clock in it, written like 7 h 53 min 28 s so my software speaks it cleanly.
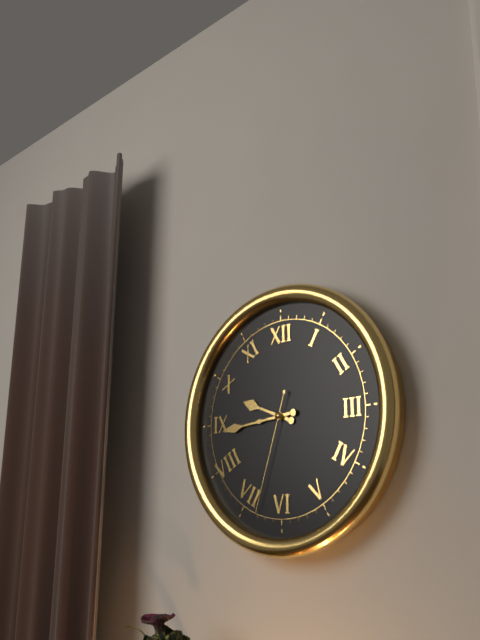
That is 9 h 44 min 33 s
